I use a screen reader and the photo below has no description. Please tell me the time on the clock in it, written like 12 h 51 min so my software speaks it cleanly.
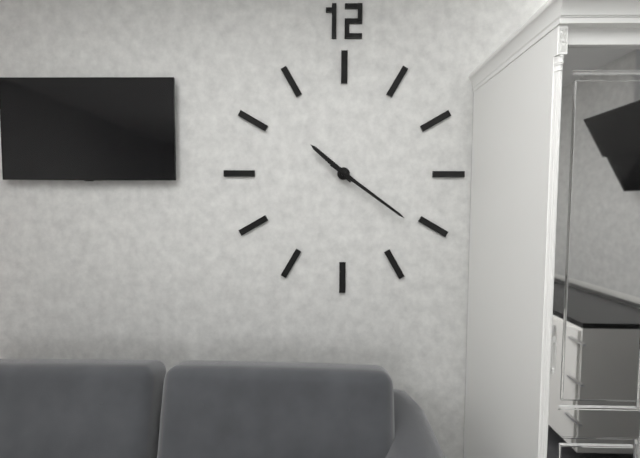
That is 10 h 21 min
